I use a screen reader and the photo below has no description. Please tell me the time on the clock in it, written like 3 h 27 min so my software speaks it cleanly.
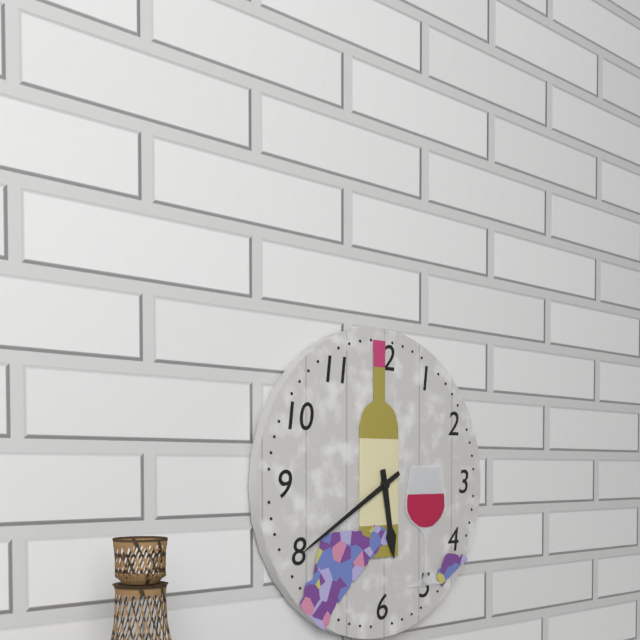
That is 5 h 40 min
